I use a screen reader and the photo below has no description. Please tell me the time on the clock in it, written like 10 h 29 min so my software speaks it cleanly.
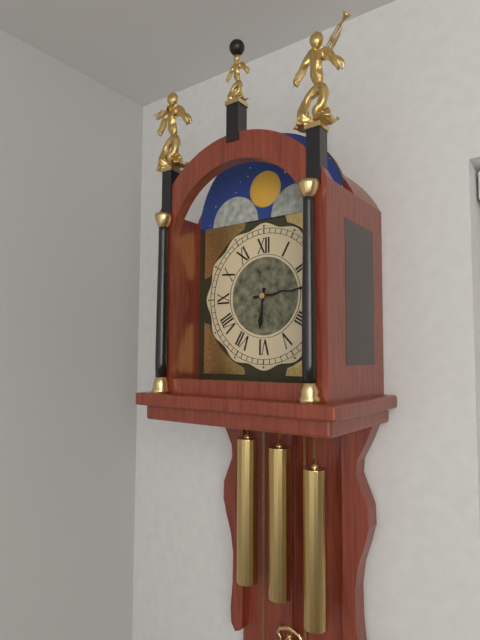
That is 6 h 14 min
